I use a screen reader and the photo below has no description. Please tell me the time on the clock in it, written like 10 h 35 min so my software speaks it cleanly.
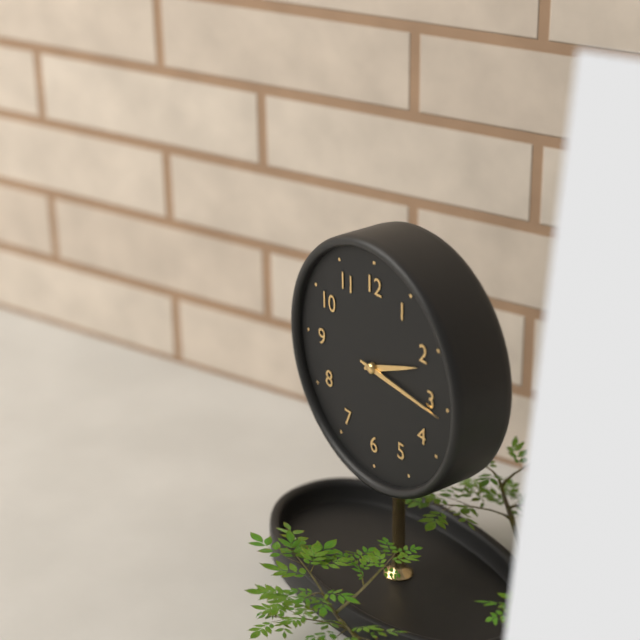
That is 2 h 16 min
